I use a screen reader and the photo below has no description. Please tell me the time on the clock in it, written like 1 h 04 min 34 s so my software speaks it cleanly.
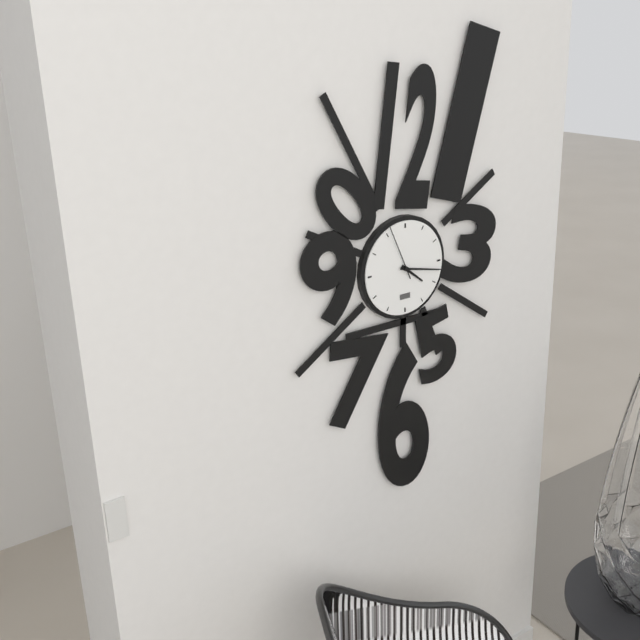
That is 4 h 17 min 56 s
